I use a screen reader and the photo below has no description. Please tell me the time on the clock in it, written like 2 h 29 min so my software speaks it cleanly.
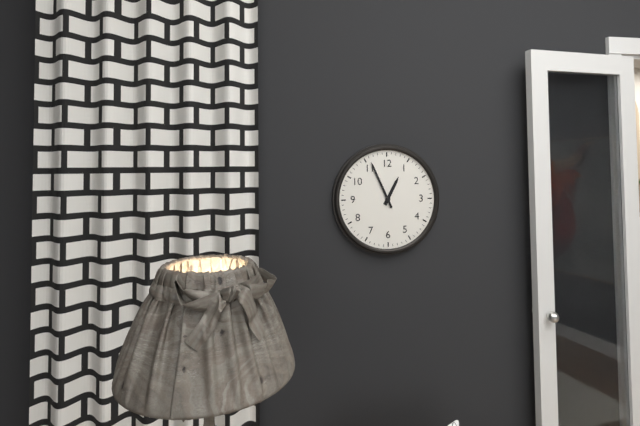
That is 12 h 56 min
